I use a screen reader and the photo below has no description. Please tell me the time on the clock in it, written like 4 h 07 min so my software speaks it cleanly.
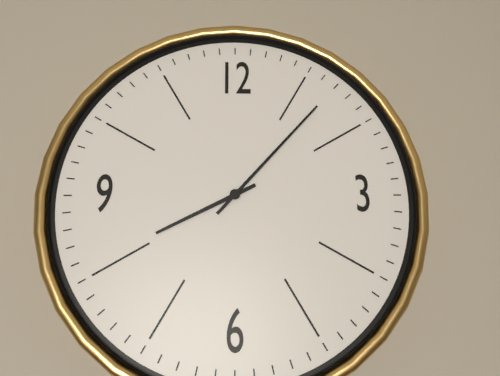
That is 8 h 07 min
